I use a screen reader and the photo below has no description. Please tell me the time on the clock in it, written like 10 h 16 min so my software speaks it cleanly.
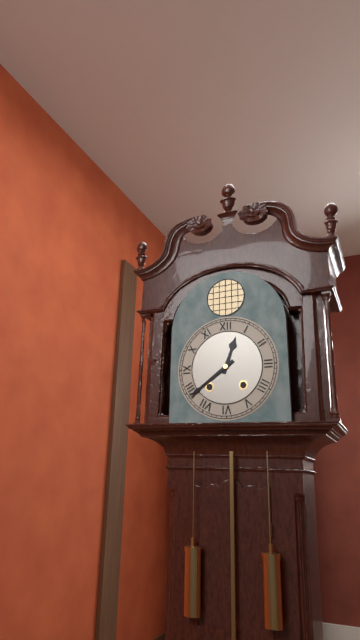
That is 12 h 39 min
